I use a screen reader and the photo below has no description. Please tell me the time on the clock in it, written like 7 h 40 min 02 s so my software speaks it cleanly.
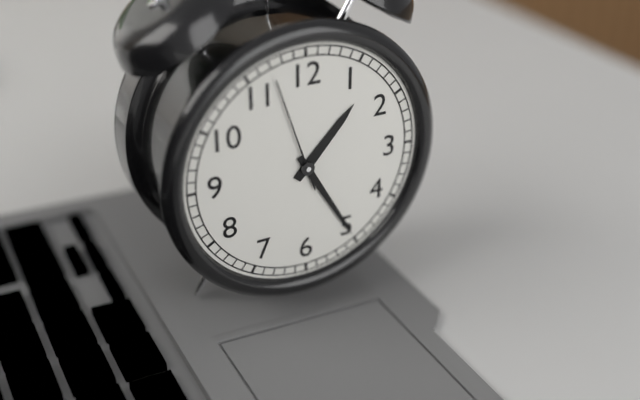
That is 1 h 25 min 57 s
